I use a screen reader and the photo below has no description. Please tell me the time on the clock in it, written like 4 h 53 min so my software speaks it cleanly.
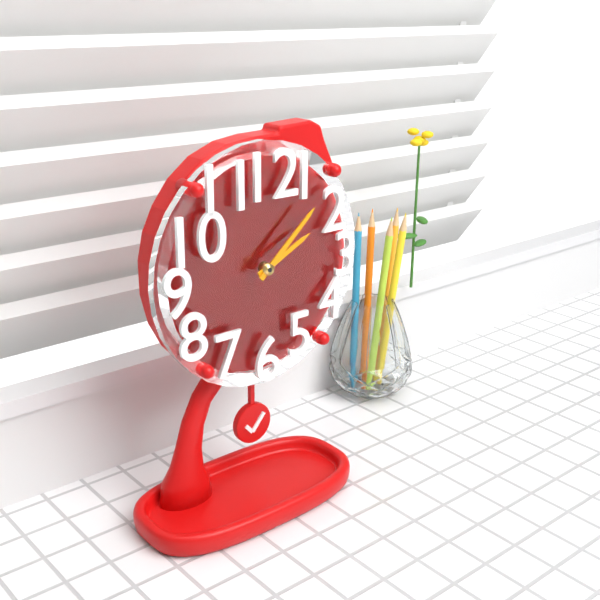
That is 2 h 08 min
